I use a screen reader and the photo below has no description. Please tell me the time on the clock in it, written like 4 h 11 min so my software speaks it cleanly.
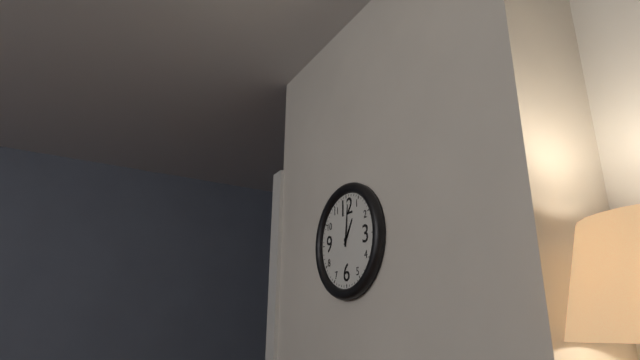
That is 1 h 01 min
